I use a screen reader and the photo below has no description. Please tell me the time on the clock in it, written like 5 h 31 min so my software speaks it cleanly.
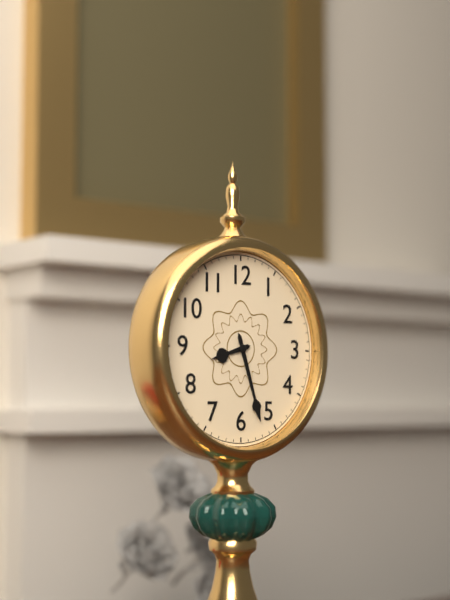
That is 8 h 27 min
